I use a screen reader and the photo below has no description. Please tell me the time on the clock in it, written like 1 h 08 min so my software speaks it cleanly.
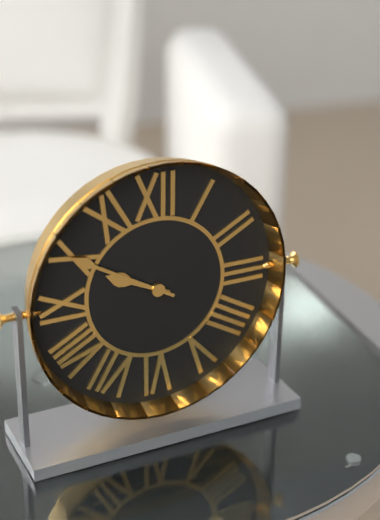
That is 9 h 50 min
